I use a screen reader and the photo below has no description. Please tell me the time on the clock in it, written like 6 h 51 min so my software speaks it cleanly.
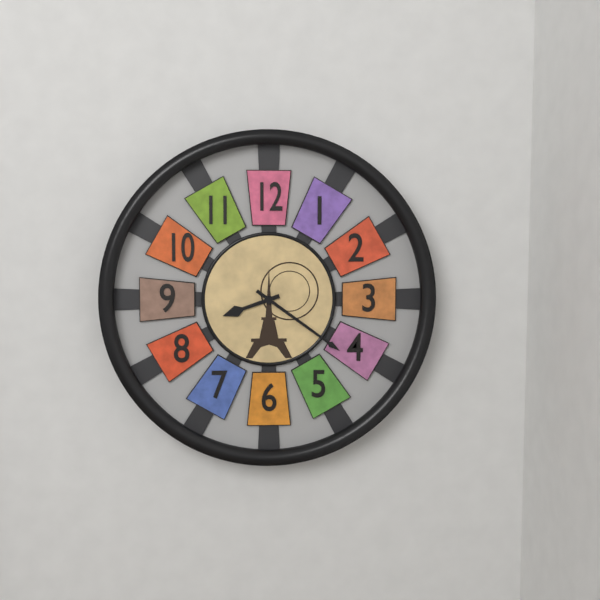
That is 8 h 21 min
